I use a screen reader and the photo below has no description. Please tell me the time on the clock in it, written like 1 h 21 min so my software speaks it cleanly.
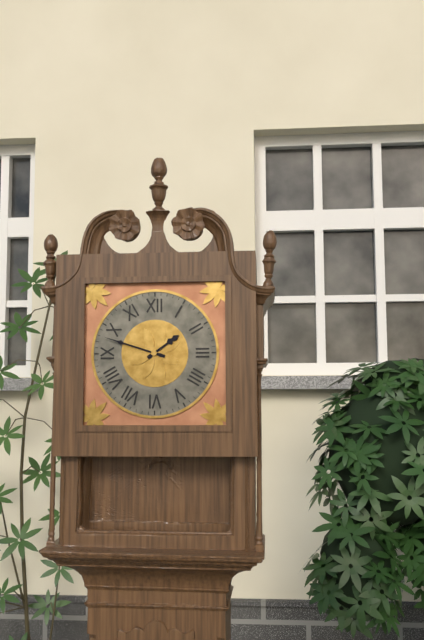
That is 1 h 48 min
